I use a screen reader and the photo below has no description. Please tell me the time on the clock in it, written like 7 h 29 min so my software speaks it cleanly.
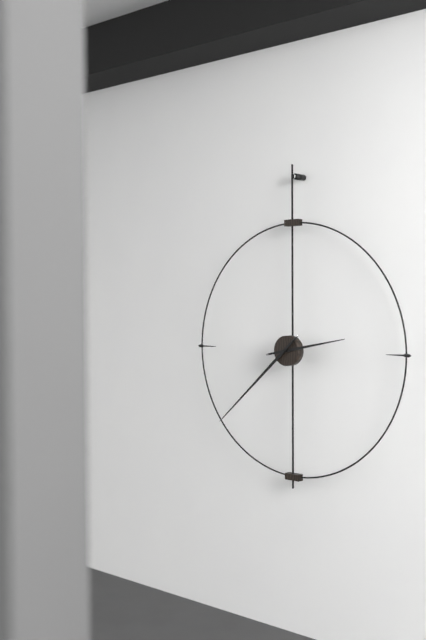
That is 2 h 38 min
